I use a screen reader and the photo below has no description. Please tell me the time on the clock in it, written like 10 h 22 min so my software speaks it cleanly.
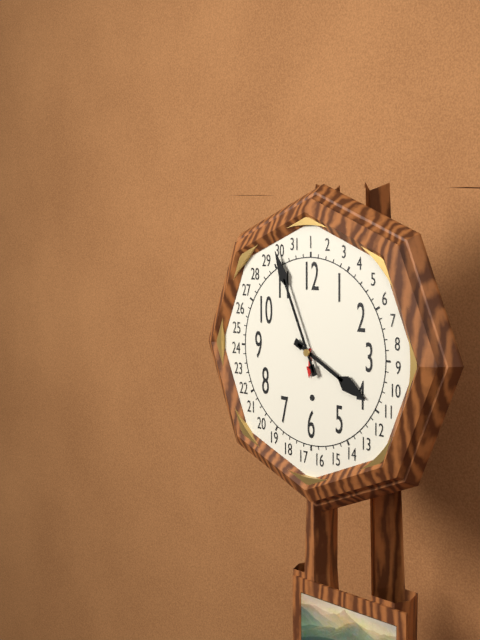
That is 3 h 56 min
